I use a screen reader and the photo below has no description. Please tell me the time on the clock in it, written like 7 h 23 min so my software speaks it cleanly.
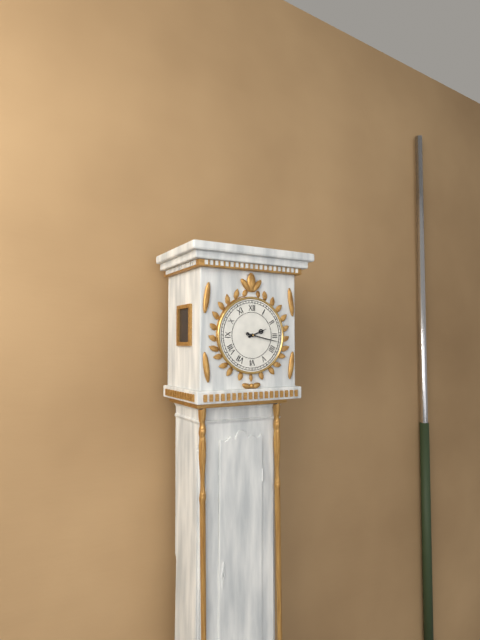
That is 2 h 17 min
